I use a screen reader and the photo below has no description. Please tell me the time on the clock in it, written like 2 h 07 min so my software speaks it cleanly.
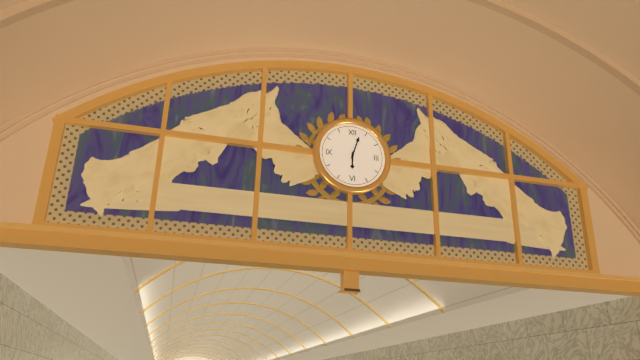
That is 6 h 03 min
